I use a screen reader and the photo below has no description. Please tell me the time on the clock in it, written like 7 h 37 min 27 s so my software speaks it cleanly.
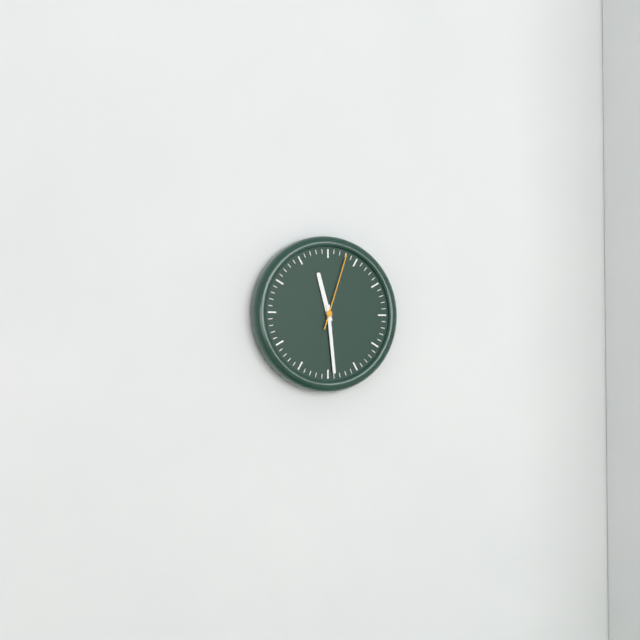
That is 11 h 29 min 03 s
